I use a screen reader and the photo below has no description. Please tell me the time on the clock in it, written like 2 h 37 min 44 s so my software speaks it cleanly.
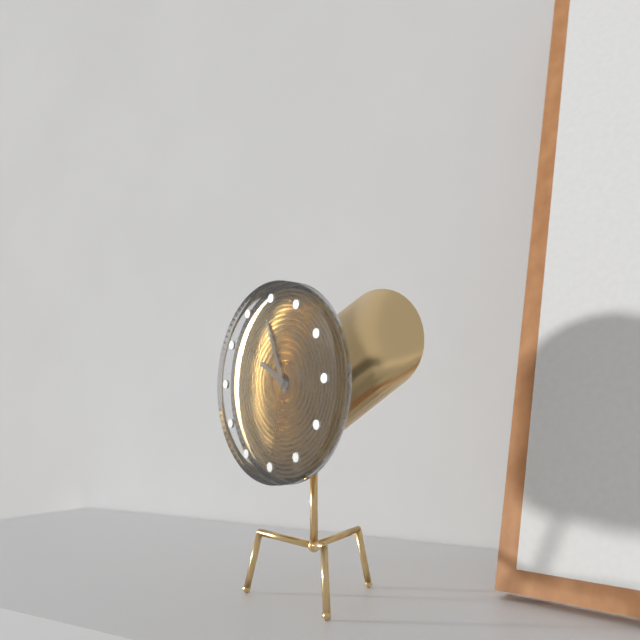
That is 9 h 56 min 32 s
